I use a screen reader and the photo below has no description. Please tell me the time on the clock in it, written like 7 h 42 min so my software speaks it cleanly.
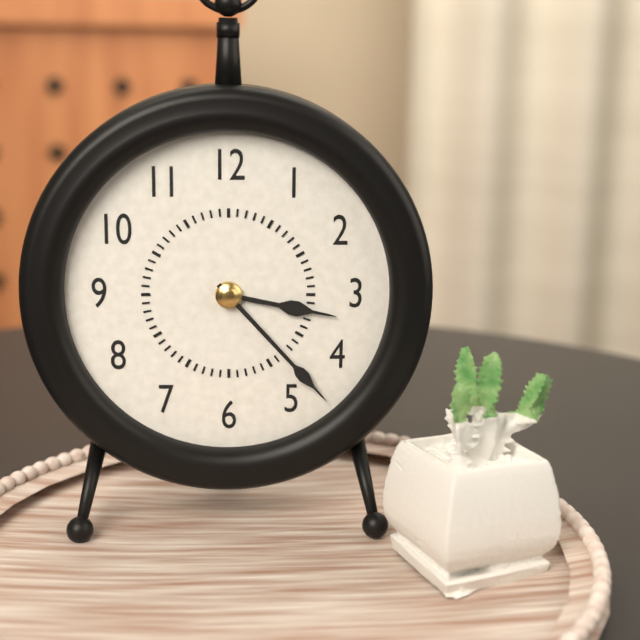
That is 3 h 23 min
